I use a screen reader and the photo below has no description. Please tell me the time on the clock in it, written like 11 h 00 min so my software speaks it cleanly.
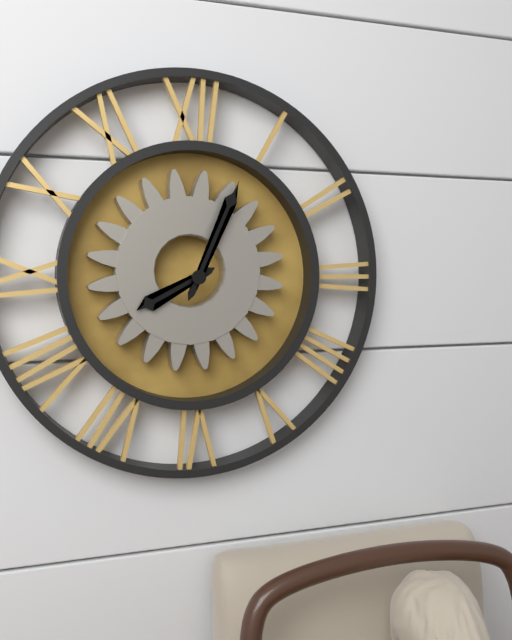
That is 8 h 04 min
